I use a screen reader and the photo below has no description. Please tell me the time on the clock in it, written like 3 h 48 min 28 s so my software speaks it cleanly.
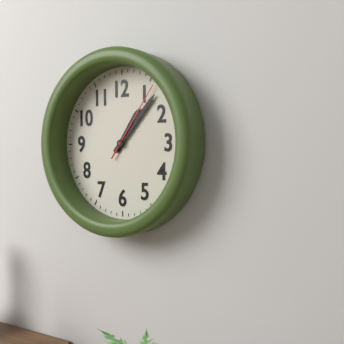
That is 1 h 07 min 06 s
